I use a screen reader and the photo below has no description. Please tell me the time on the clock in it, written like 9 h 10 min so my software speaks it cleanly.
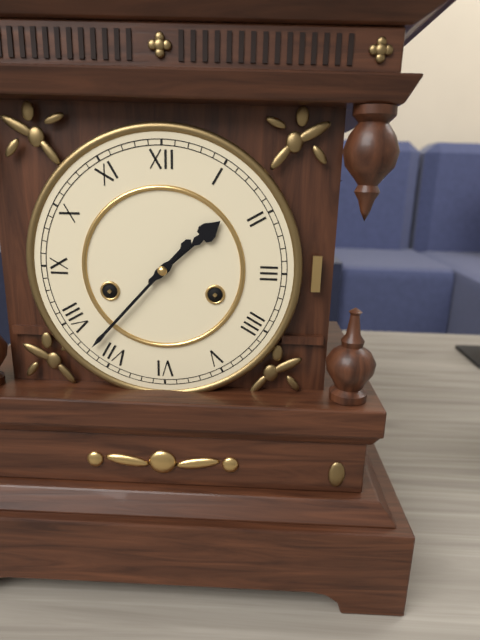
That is 1 h 37 min
